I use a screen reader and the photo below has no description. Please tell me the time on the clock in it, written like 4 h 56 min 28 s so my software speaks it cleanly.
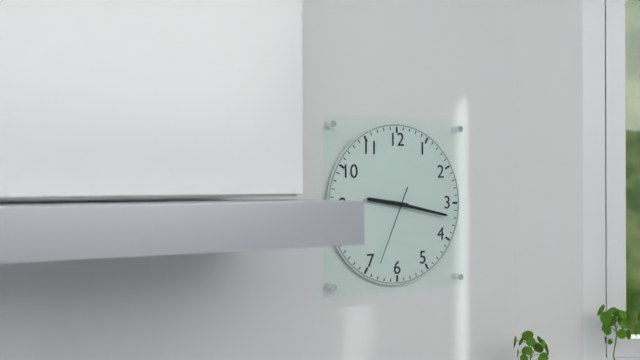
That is 9 h 17 min 34 s
